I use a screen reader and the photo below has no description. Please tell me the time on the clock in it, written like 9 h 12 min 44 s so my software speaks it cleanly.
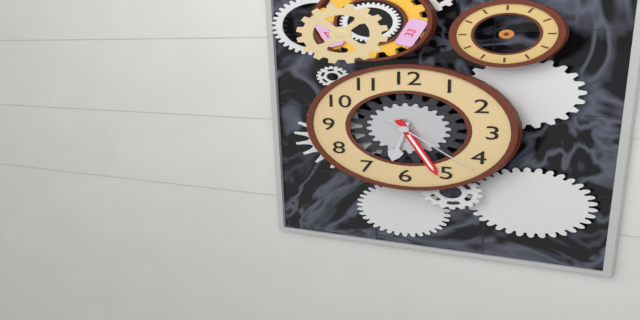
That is 6 h 26 min 22 s
